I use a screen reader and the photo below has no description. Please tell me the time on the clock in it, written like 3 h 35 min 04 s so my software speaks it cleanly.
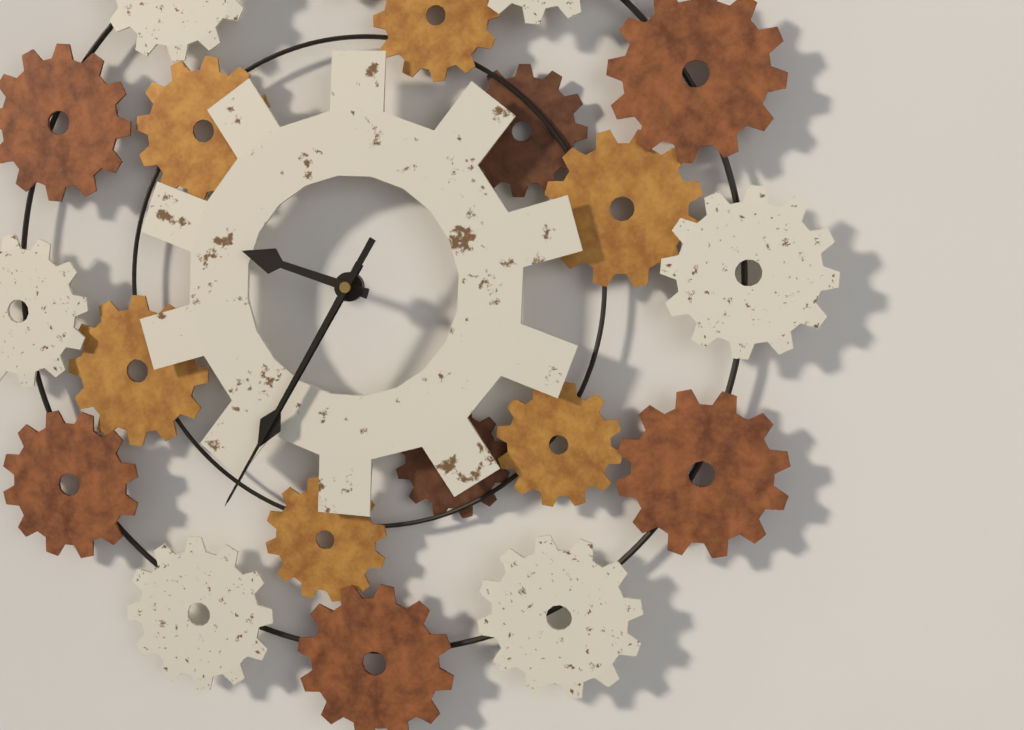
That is 9 h 35 min 35 s
